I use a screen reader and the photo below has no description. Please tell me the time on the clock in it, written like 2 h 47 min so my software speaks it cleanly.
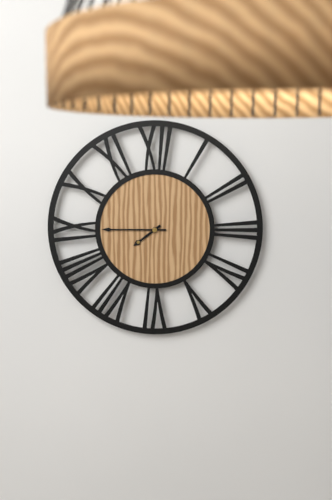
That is 7 h 45 min
